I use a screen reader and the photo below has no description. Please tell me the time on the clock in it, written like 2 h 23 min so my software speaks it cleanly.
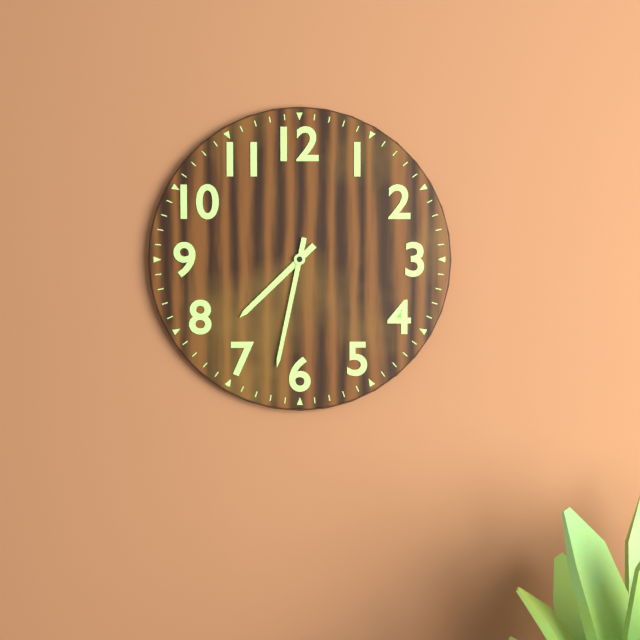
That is 7 h 32 min
